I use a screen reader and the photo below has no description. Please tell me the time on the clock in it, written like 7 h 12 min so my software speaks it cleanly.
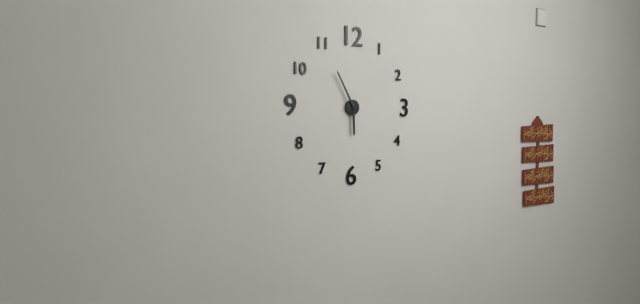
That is 5 h 55 min
